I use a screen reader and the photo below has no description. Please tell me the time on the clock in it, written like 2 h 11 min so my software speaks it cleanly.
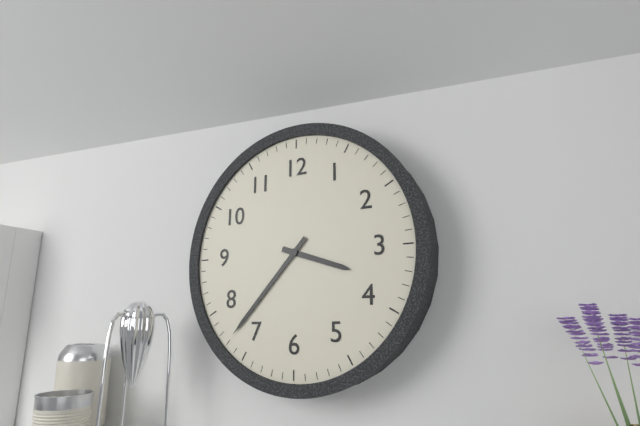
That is 3 h 37 min
